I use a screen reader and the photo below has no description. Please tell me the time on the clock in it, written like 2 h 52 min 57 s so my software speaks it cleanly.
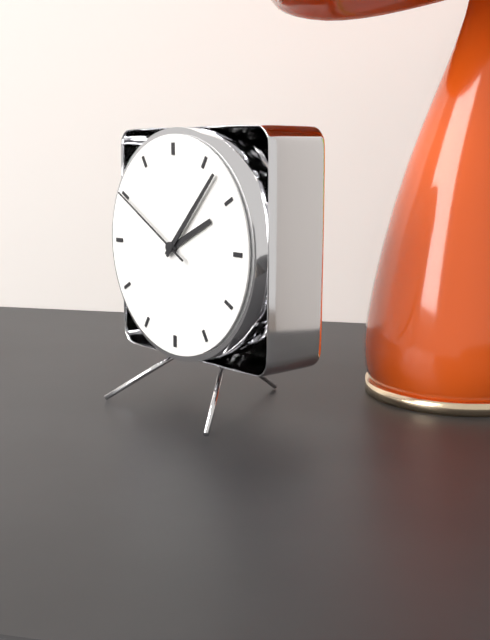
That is 2 h 07 min 50 s
